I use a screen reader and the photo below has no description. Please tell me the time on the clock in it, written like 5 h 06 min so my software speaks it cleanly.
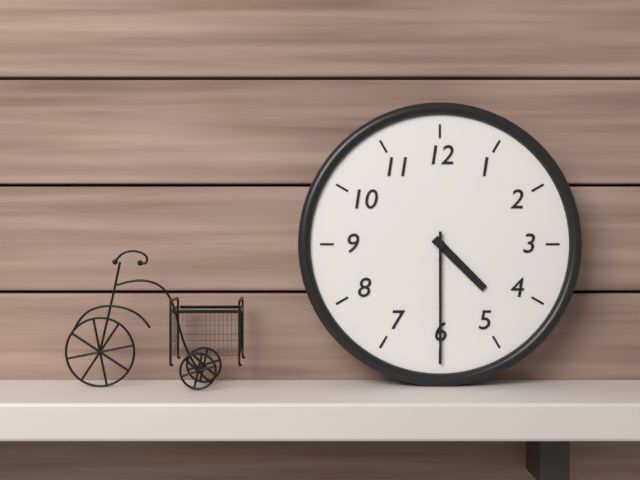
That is 4 h 30 min
